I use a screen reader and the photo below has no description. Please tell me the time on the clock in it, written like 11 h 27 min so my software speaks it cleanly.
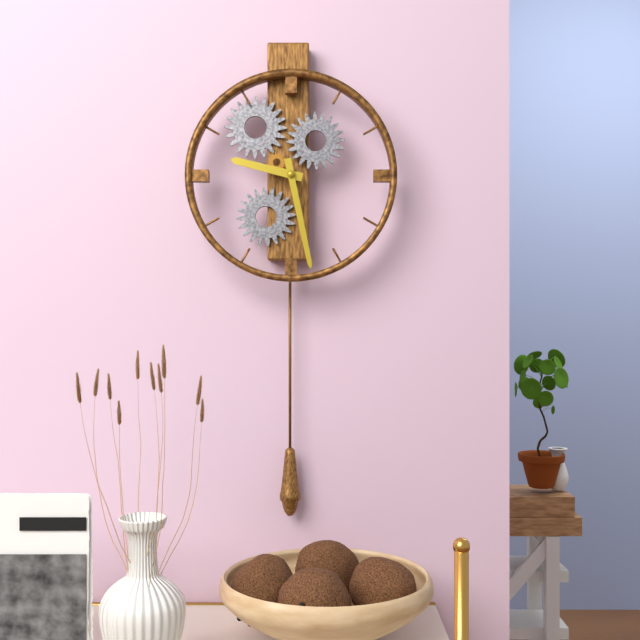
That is 9 h 28 min
